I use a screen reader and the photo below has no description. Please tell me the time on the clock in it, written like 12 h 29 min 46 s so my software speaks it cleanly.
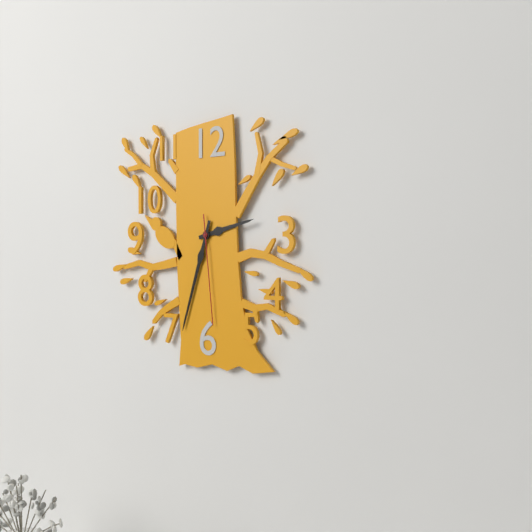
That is 2 h 33 min 29 s
